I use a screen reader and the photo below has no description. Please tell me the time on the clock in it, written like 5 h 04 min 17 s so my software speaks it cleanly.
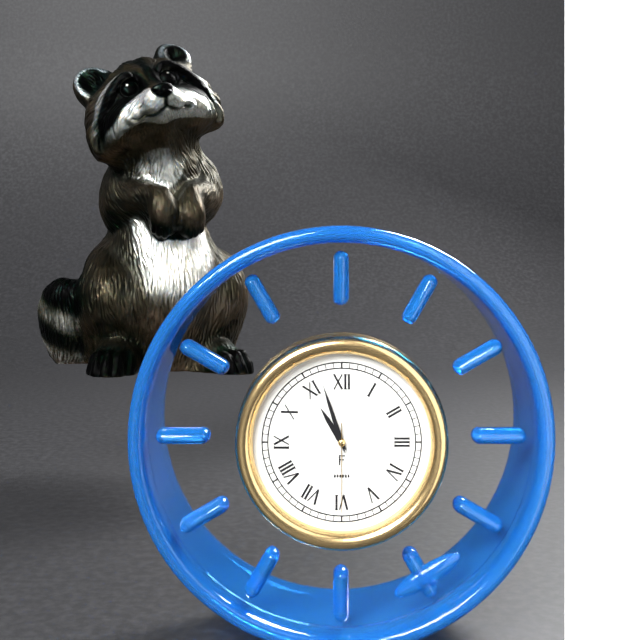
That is 10 h 57 min 30 s
